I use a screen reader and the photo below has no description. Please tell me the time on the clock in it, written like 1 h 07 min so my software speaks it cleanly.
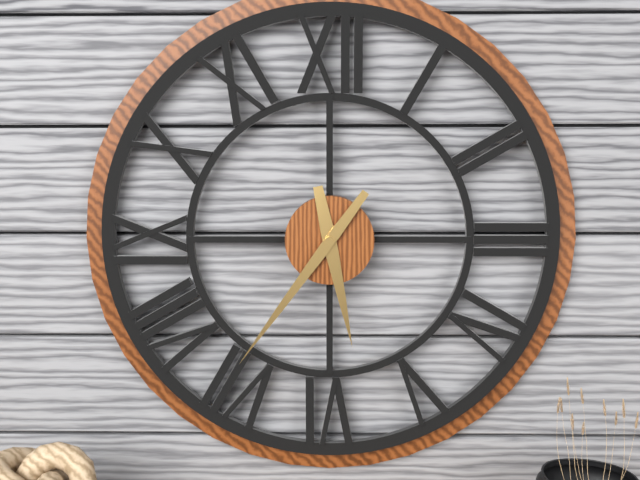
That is 5 h 36 min
